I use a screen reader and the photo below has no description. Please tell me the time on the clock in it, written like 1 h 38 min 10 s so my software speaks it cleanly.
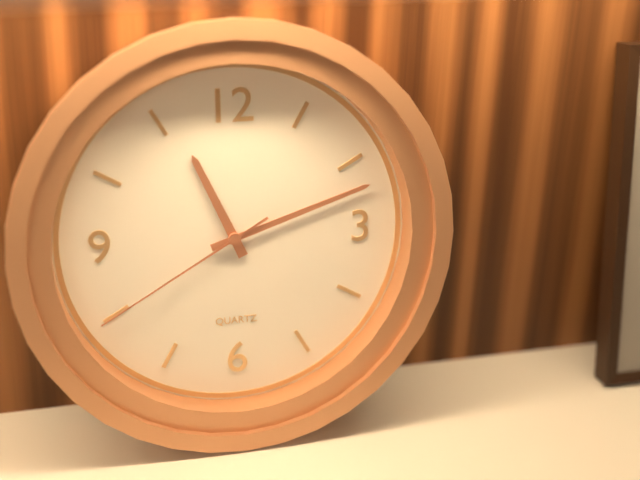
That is 11 h 12 min 40 s
